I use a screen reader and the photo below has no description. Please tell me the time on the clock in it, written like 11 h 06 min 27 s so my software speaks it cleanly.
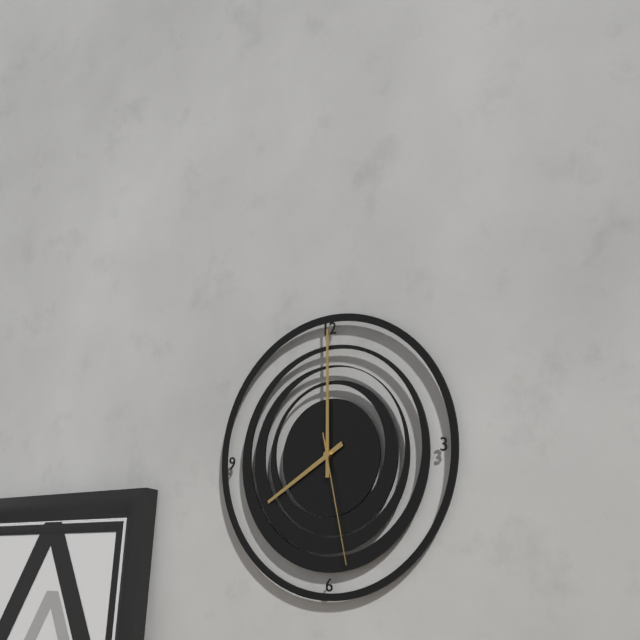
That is 8 h 00 min 28 s
